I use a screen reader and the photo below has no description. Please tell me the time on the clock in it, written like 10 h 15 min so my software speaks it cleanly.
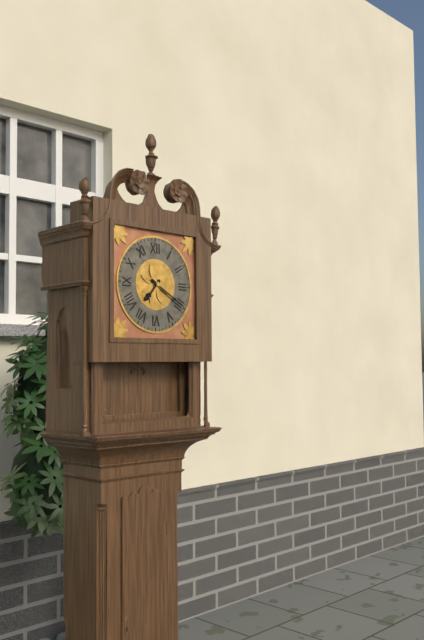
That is 7 h 20 min
